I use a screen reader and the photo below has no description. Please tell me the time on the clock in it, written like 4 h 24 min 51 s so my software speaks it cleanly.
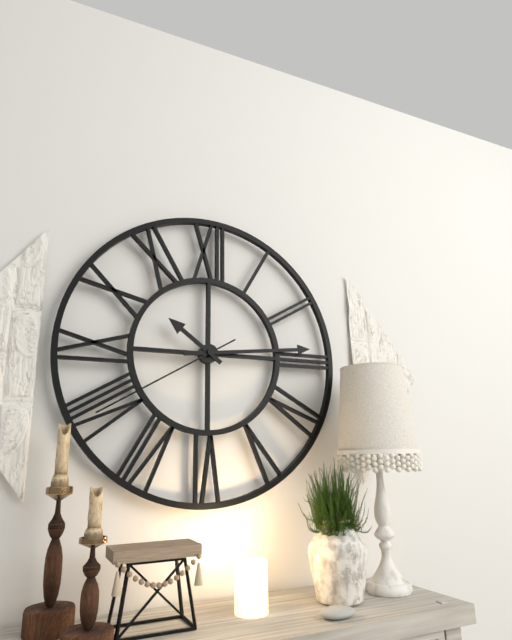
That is 10 h 14 min 40 s
